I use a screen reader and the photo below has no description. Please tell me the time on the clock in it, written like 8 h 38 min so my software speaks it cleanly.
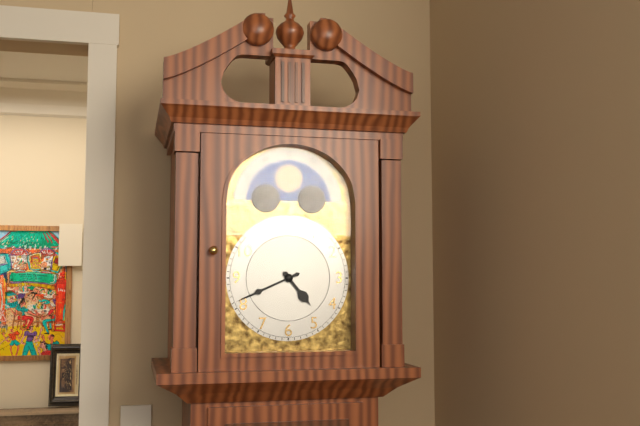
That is 4 h 41 min
